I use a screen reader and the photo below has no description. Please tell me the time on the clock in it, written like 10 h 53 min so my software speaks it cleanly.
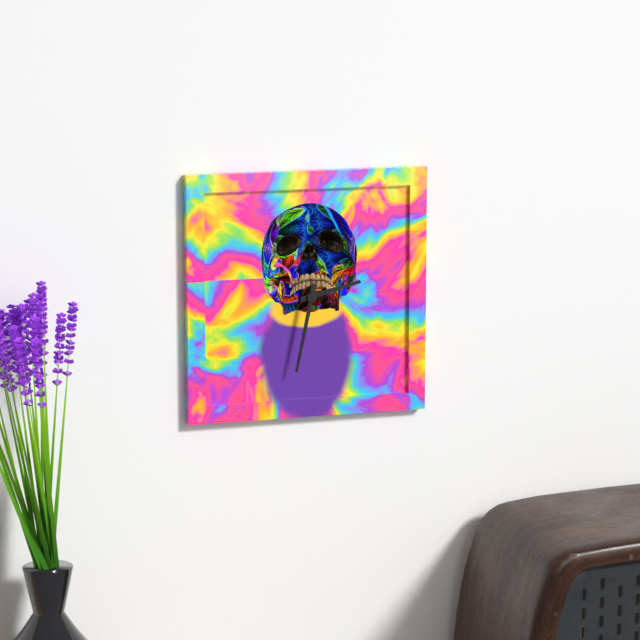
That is 2 h 32 min
